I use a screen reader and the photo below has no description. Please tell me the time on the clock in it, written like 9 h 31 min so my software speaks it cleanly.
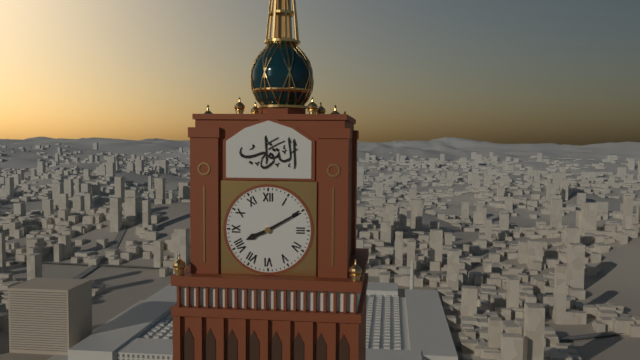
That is 8 h 10 min
